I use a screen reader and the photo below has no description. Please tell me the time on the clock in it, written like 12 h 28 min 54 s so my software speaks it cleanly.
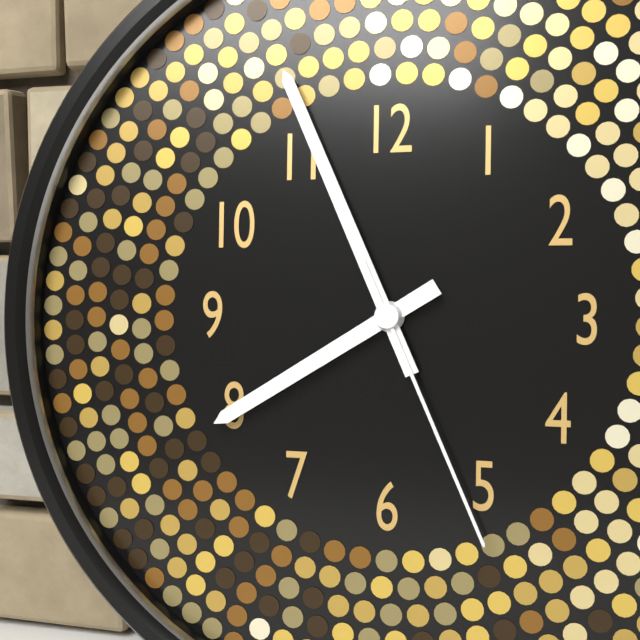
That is 7 h 56 min 26 s
